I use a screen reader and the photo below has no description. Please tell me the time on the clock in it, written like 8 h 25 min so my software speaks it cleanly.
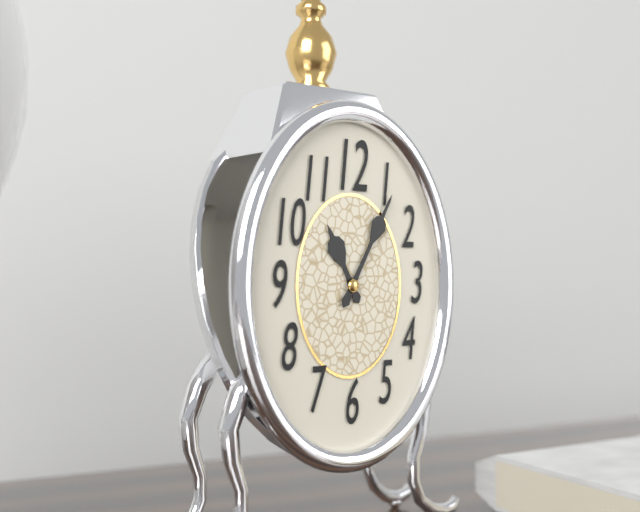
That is 11 h 05 min
